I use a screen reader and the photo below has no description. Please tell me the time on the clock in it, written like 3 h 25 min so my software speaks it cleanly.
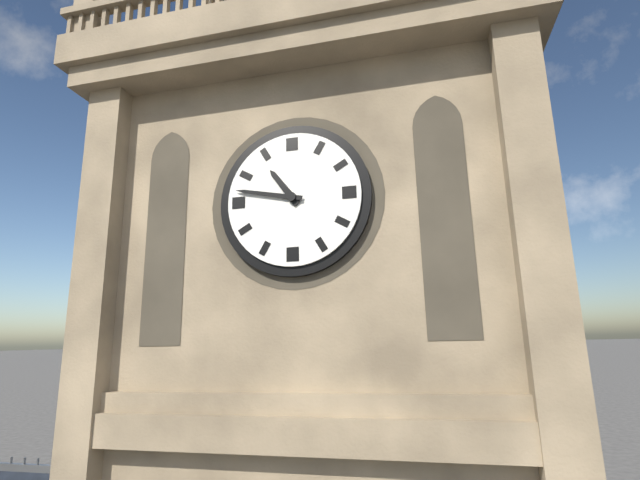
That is 10 h 47 min
